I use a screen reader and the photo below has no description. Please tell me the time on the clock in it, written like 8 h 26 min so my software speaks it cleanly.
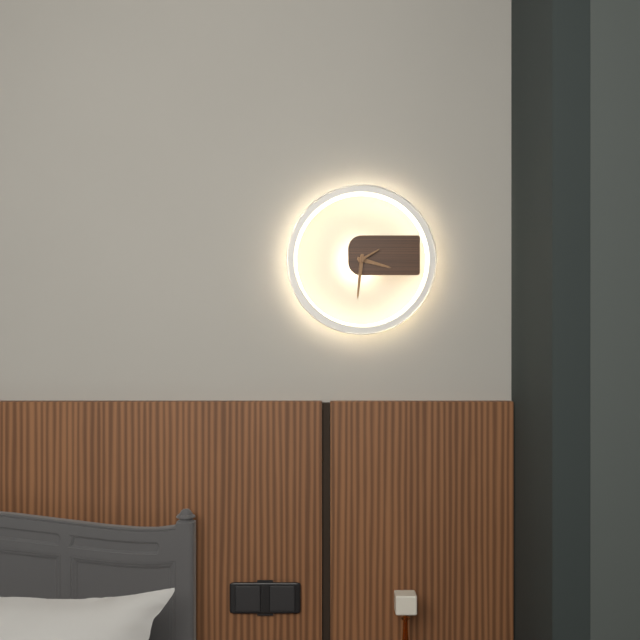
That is 3 h 31 min
